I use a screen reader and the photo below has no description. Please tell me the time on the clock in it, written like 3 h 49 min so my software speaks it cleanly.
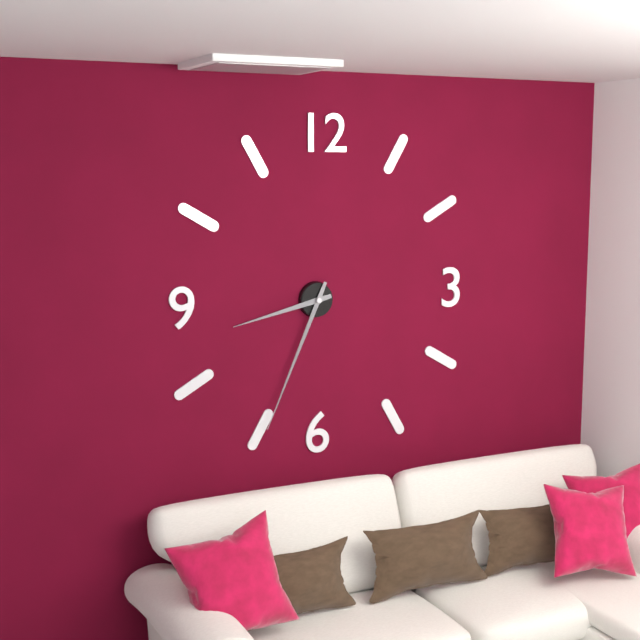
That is 8 h 34 min
